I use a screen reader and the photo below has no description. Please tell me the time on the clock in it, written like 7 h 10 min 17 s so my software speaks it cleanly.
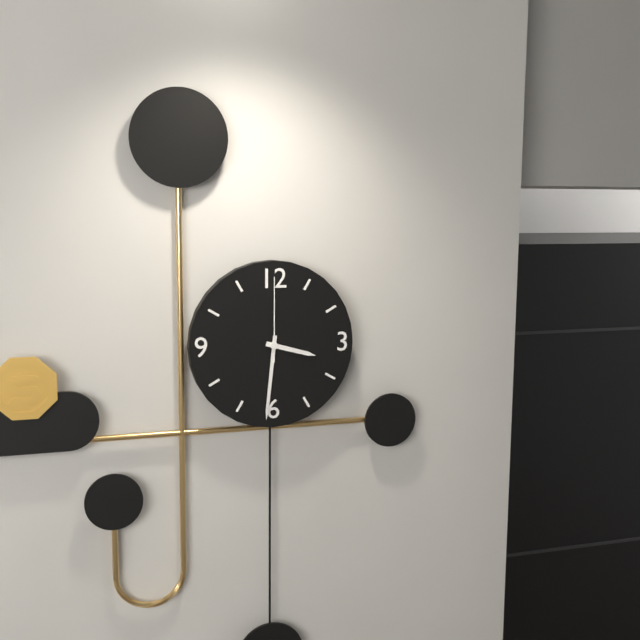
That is 3 h 31 min 00 s
